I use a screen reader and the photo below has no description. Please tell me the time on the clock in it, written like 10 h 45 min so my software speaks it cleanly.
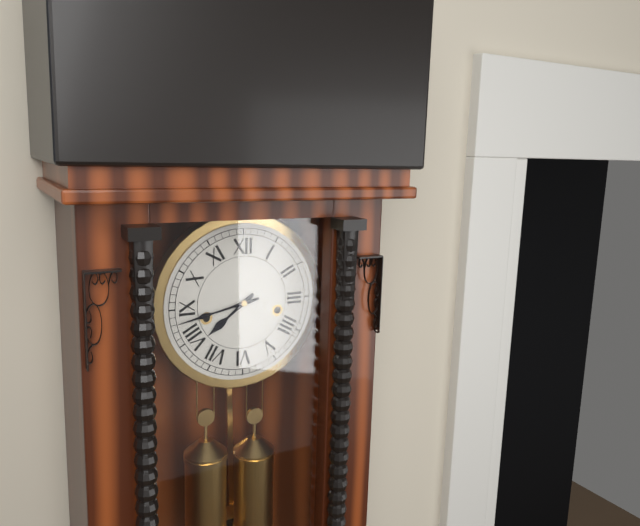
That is 7 h 43 min
